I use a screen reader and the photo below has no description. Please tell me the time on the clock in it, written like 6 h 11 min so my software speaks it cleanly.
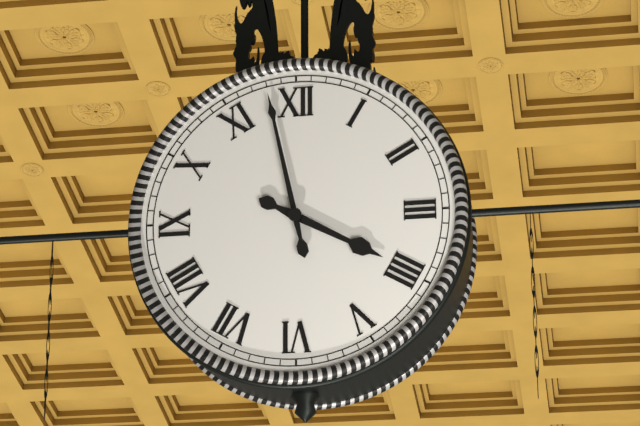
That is 3 h 58 min
